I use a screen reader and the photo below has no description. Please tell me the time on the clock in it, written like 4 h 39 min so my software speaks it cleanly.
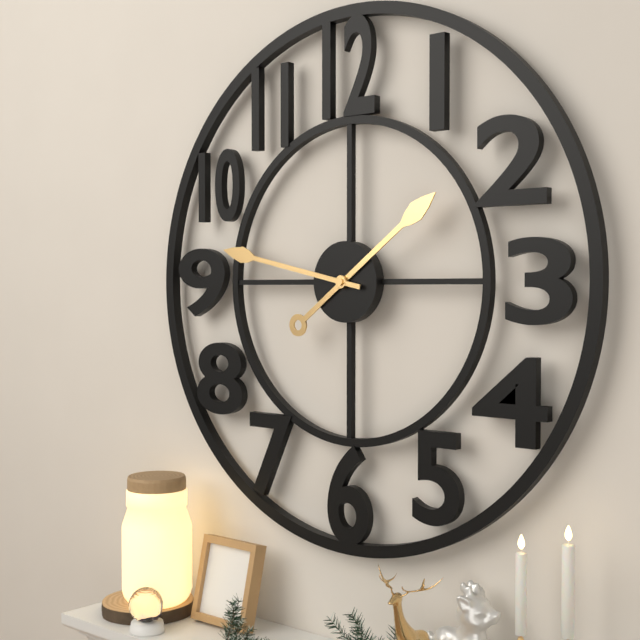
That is 1 h 47 min
